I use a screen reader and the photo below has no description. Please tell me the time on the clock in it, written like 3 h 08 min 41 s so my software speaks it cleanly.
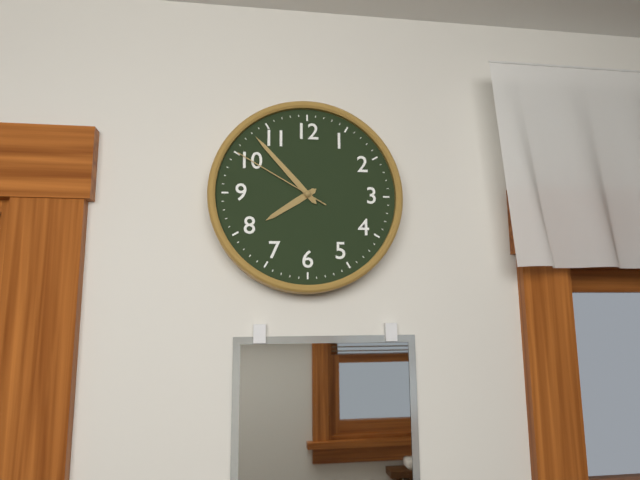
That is 7 h 53 min 50 s
